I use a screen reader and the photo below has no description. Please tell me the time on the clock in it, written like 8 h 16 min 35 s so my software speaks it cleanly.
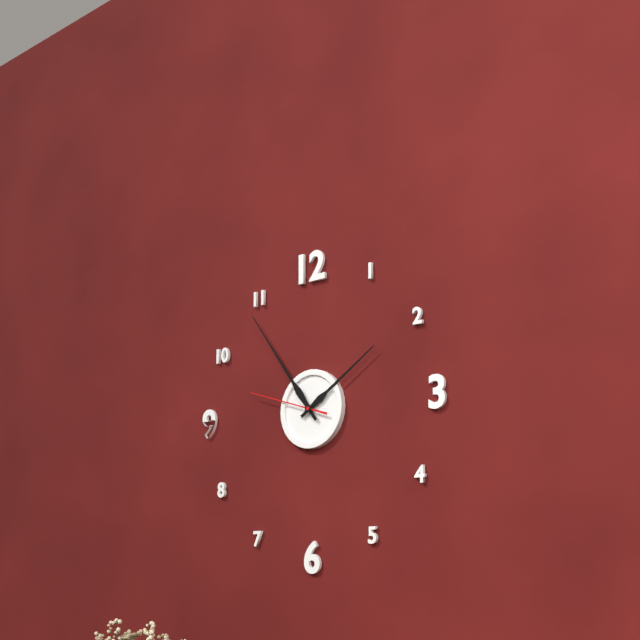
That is 1 h 54 min 48 s
